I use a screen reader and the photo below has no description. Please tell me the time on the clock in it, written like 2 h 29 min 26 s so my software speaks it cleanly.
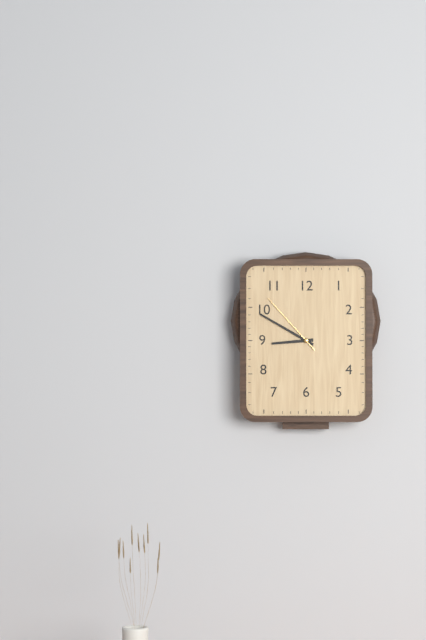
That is 8 h 50 min 53 s
